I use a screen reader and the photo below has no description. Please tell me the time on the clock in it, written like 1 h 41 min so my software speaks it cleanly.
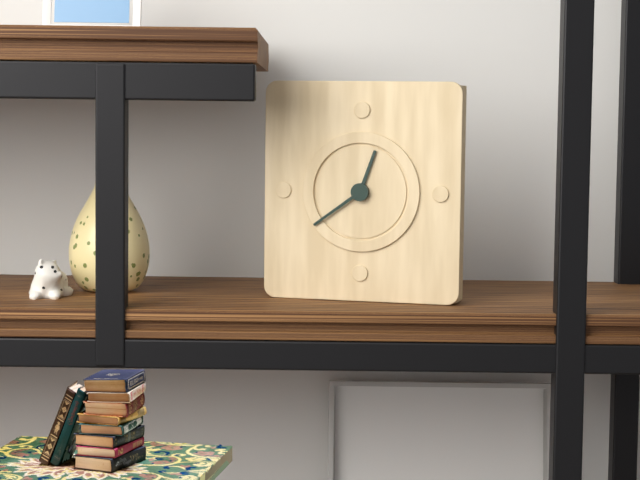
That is 12 h 39 min
